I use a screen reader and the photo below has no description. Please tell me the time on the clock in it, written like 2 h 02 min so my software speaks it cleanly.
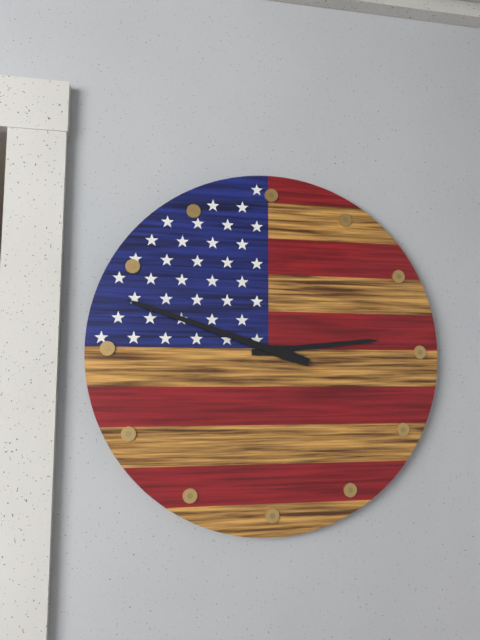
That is 2 h 48 min
